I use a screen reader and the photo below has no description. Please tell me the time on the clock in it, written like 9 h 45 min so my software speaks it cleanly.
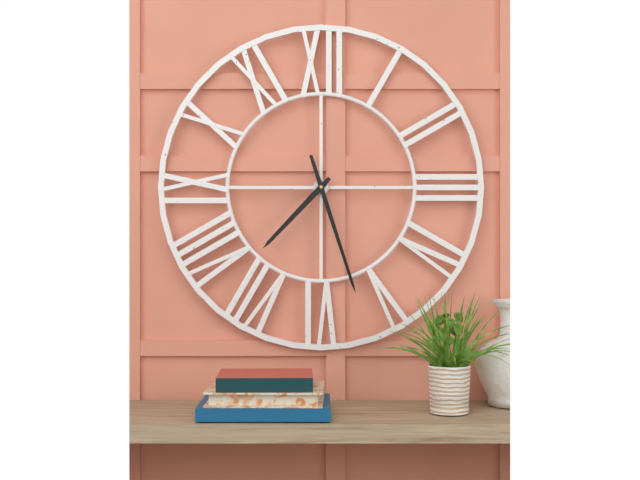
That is 7 h 27 min
